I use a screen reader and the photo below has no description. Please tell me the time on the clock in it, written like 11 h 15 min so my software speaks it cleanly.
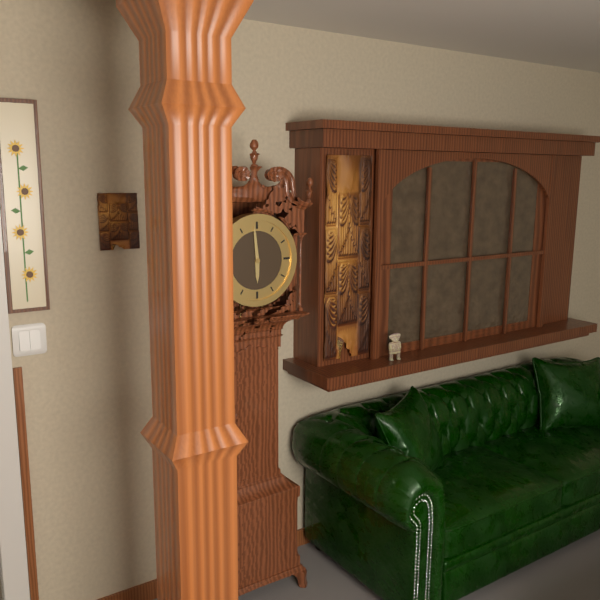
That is 5 h 59 min
